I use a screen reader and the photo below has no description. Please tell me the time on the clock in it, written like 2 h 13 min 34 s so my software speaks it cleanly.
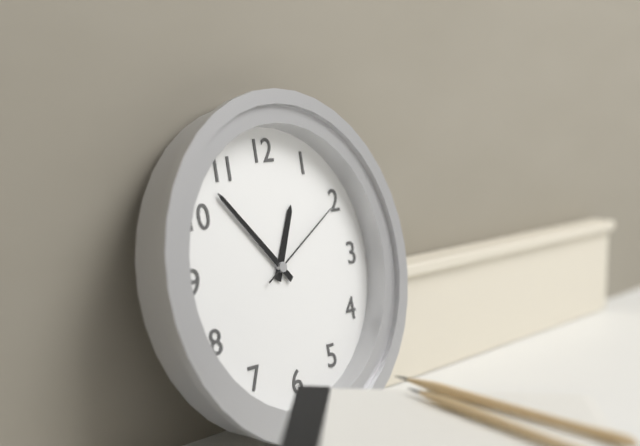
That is 12 h 53 min 10 s
